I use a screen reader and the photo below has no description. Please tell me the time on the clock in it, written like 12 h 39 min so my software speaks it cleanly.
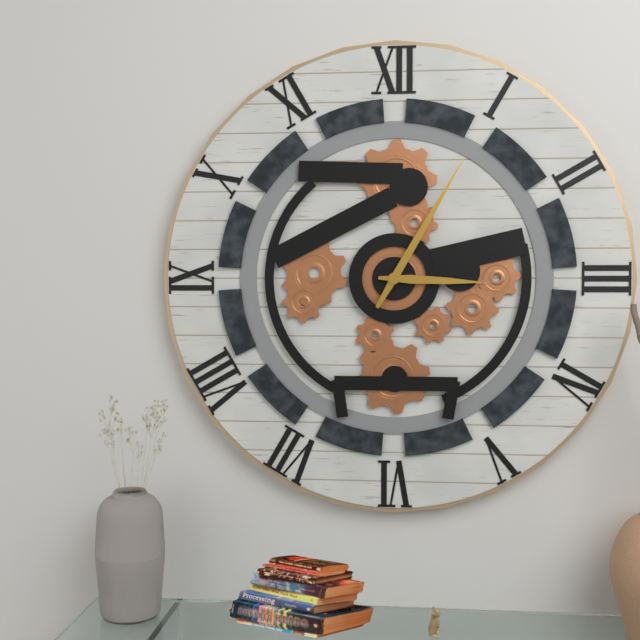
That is 3 h 05 min
